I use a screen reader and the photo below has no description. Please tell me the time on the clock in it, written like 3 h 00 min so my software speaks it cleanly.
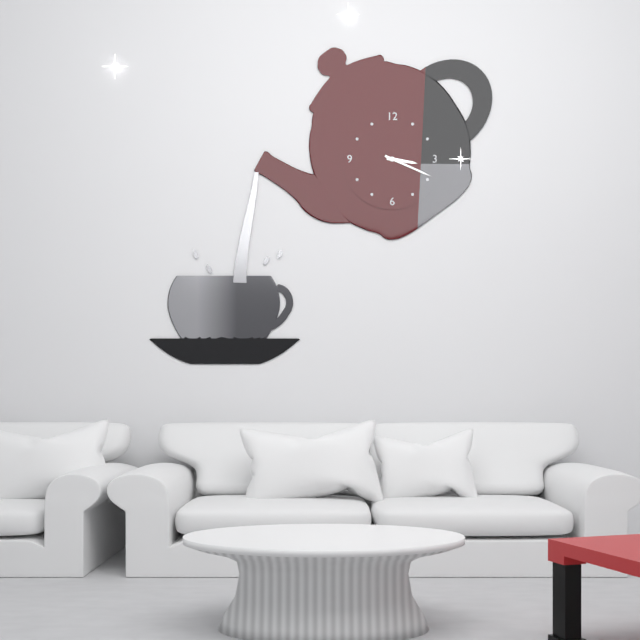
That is 3 h 19 min
